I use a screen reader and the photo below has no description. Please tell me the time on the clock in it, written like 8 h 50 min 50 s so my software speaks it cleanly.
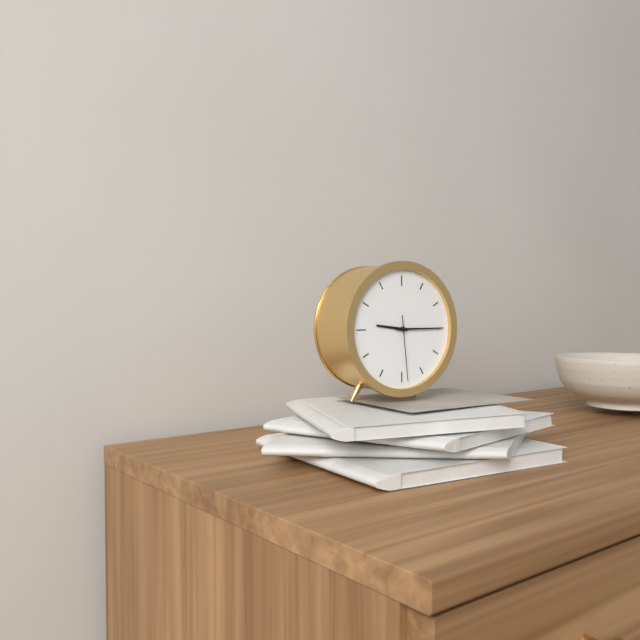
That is 9 h 15 min 29 s
